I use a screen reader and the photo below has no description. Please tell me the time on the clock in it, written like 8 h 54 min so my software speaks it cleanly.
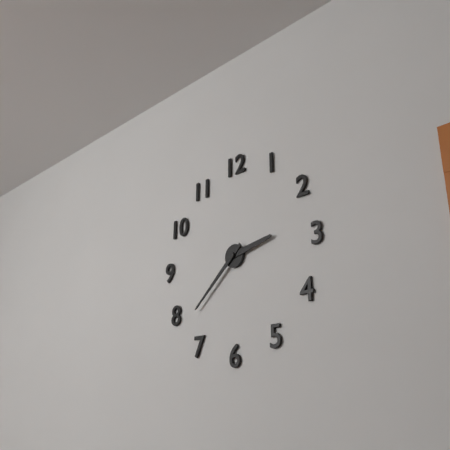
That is 2 h 38 min
